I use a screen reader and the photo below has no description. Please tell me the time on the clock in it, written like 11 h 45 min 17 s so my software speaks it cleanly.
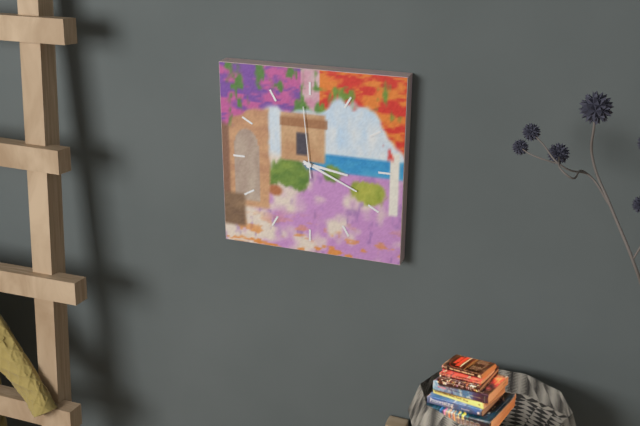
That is 3 h 19 min 59 s
